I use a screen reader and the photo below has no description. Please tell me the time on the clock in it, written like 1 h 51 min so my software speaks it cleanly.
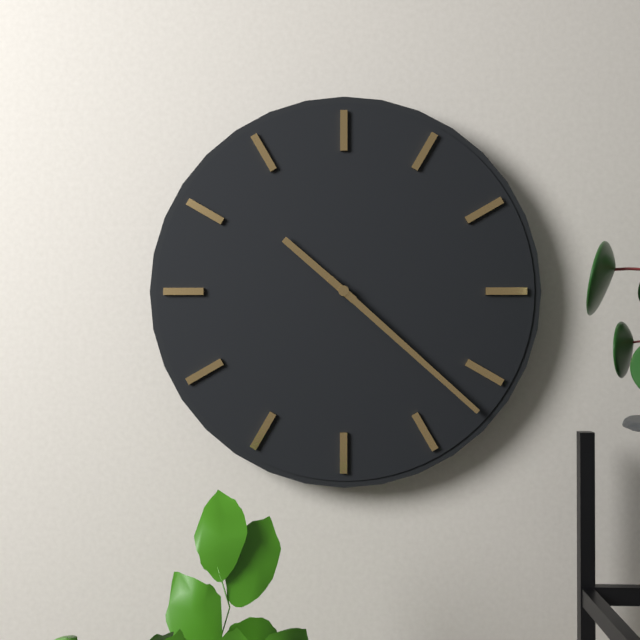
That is 10 h 22 min
